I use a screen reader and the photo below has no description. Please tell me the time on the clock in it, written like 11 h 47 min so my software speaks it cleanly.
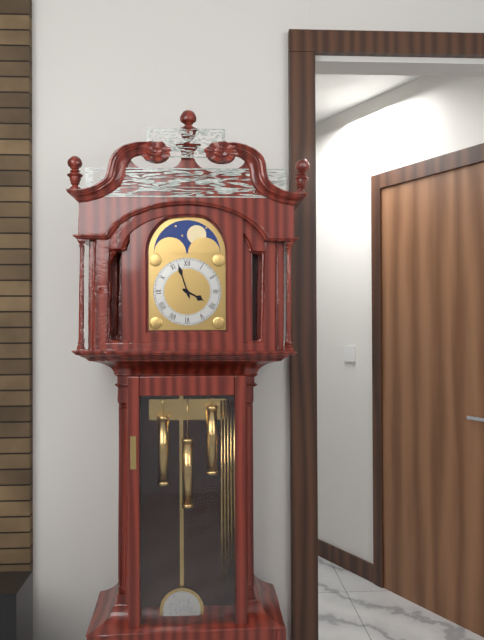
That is 3 h 57 min
